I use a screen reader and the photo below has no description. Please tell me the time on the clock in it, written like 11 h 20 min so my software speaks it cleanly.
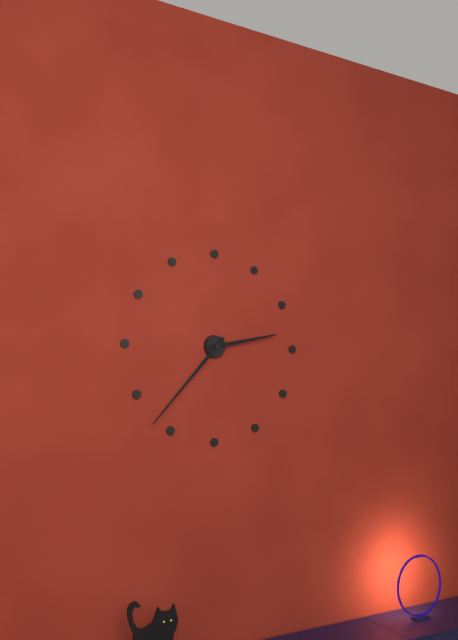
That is 2 h 37 min
